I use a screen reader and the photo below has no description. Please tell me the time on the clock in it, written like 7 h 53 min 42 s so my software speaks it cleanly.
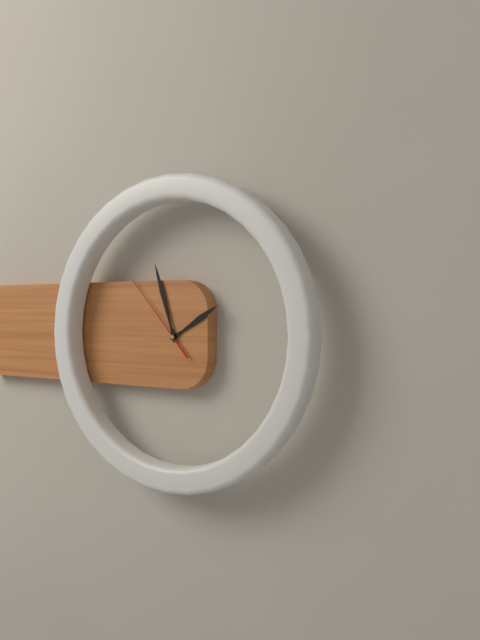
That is 1 h 57 min 53 s
